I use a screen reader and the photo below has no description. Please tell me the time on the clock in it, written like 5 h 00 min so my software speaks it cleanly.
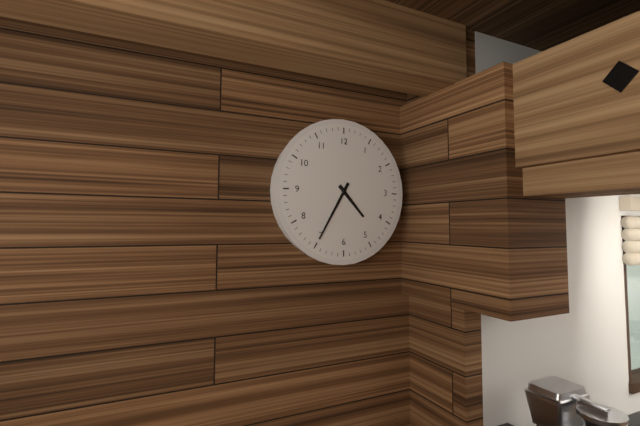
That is 4 h 35 min
